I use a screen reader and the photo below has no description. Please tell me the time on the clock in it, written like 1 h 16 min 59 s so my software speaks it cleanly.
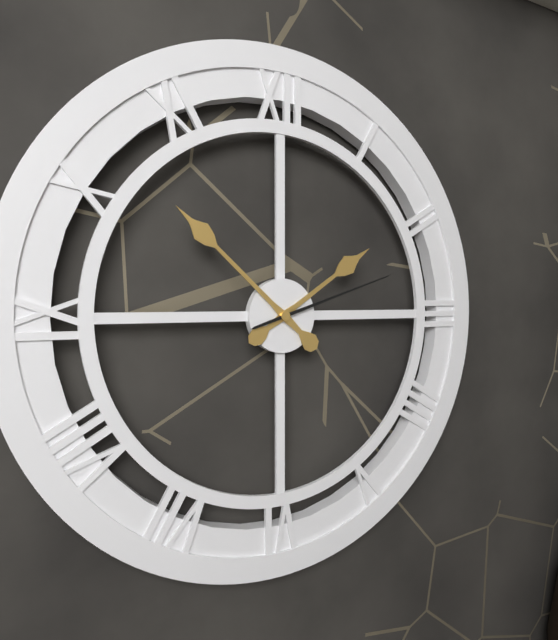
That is 1 h 52 min 12 s
